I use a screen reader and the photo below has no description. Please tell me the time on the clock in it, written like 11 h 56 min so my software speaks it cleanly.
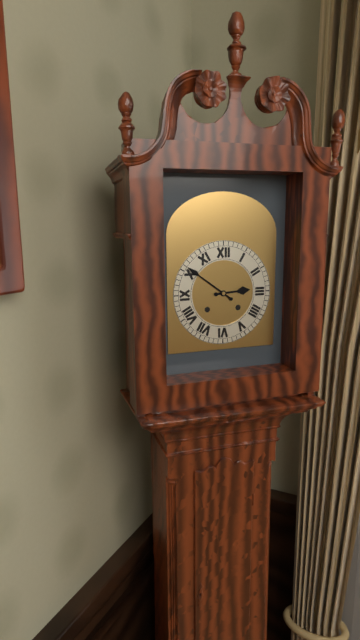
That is 2 h 51 min
